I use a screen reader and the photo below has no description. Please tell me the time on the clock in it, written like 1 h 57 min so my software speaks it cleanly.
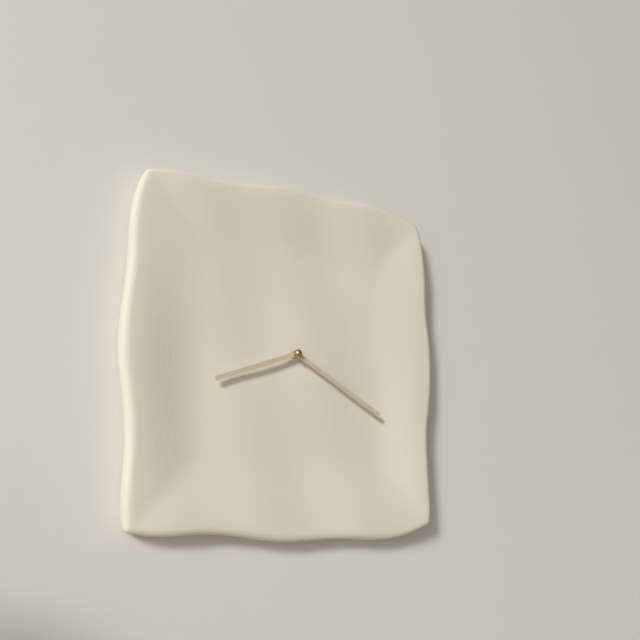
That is 8 h 20 min
